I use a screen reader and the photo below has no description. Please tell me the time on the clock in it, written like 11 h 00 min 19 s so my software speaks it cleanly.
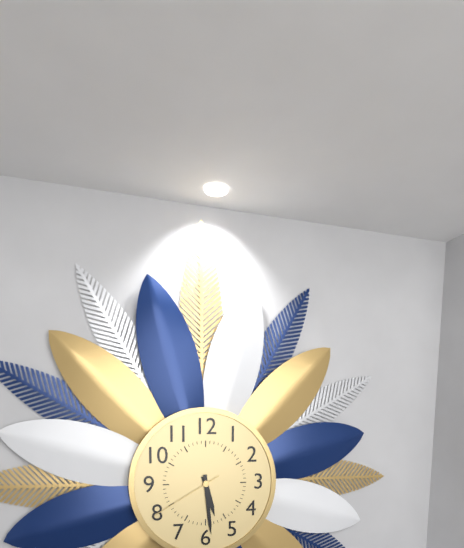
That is 5 h 29 min 40 s
